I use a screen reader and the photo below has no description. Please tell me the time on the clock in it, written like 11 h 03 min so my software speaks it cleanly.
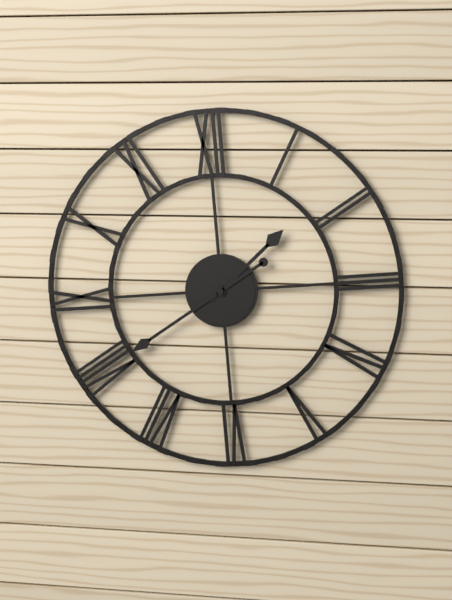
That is 1 h 40 min
